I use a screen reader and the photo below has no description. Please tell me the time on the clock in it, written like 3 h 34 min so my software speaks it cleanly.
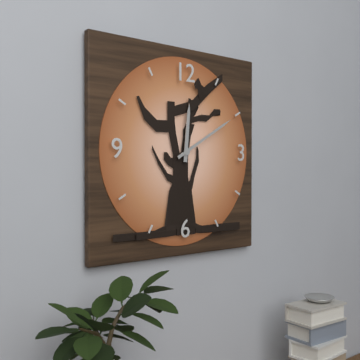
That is 12 h 10 min
